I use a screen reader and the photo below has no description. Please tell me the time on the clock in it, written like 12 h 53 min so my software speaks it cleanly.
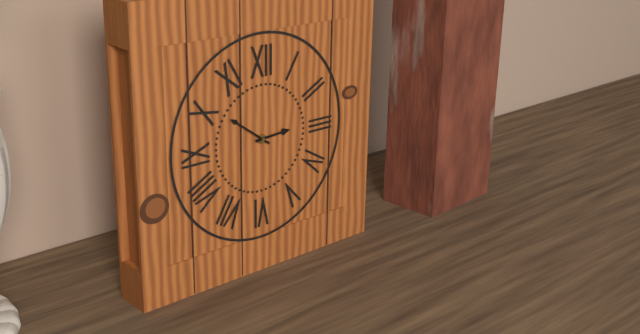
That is 2 h 51 min
